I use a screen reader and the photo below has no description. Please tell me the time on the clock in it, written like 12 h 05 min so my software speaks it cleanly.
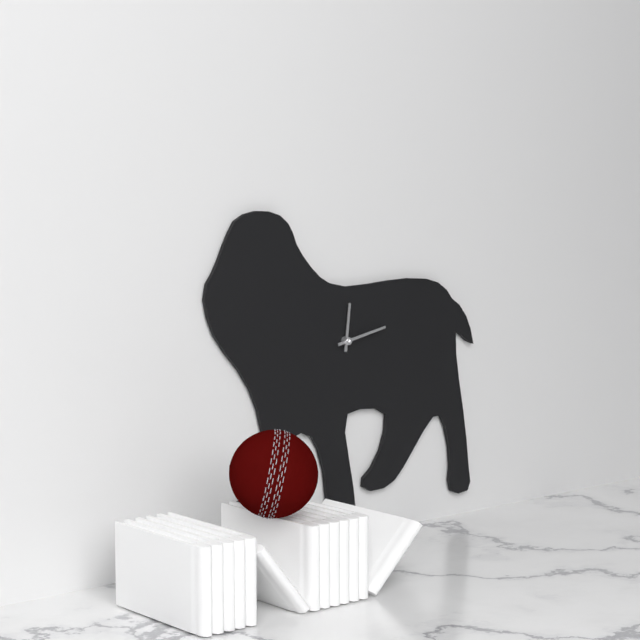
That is 12 h 13 min
